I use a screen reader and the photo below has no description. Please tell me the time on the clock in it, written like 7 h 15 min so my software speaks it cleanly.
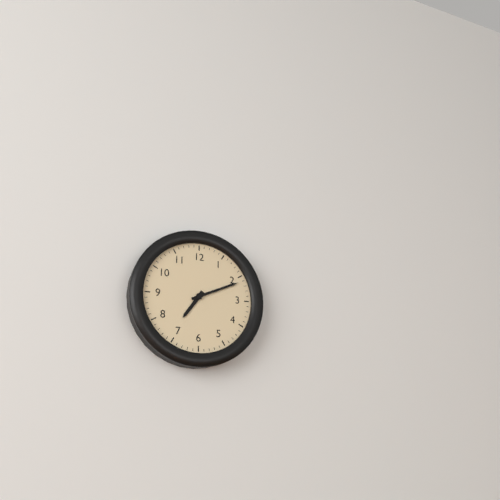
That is 7 h 11 min
